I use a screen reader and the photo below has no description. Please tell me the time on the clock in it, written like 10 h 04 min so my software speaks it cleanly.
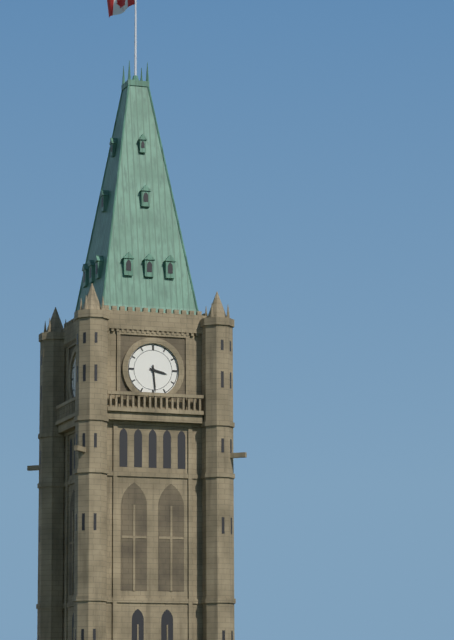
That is 3 h 29 min
